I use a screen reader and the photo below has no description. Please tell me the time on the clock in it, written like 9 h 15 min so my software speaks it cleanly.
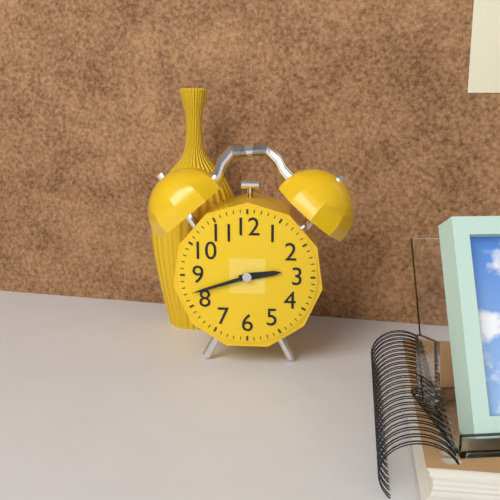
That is 2 h 42 min
